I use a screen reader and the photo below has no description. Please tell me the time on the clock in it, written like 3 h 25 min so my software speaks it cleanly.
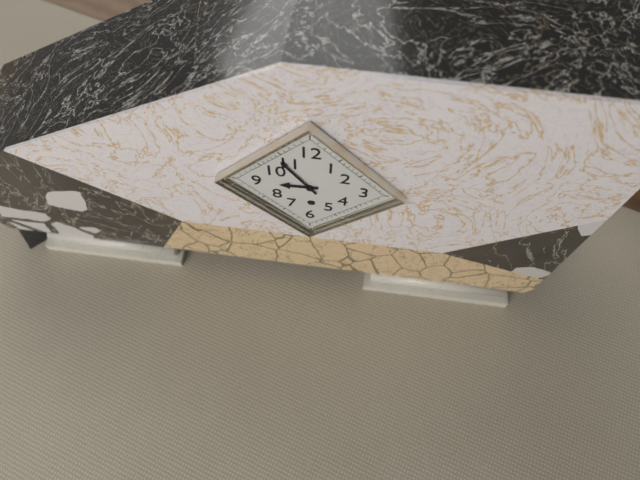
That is 8 h 54 min
